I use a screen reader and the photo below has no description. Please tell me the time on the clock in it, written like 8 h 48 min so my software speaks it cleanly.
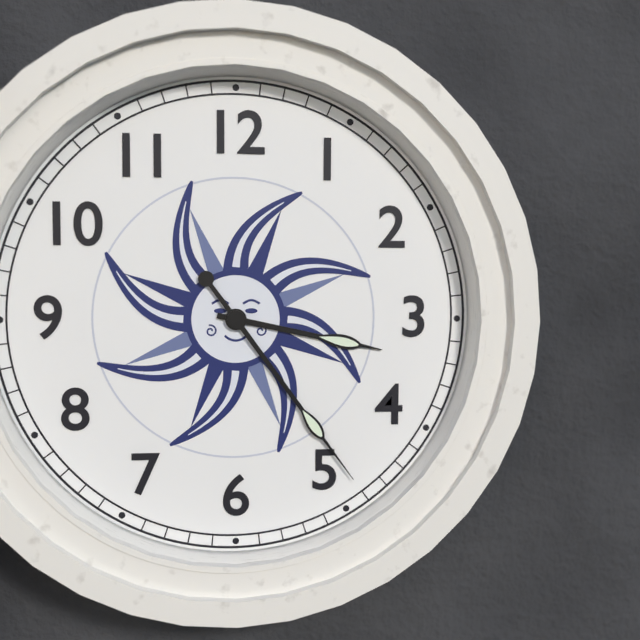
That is 3 h 24 min
